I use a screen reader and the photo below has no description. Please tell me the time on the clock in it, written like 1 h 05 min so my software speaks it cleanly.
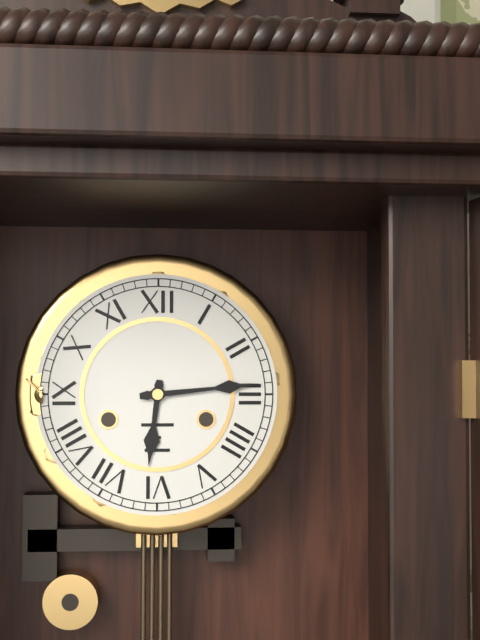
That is 6 h 14 min
